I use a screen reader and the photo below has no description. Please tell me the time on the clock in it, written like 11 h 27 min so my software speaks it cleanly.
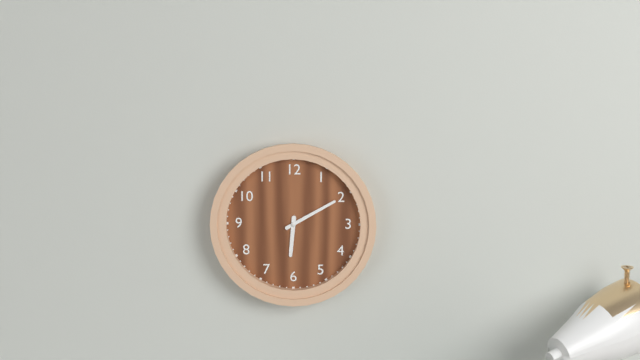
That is 6 h 10 min
